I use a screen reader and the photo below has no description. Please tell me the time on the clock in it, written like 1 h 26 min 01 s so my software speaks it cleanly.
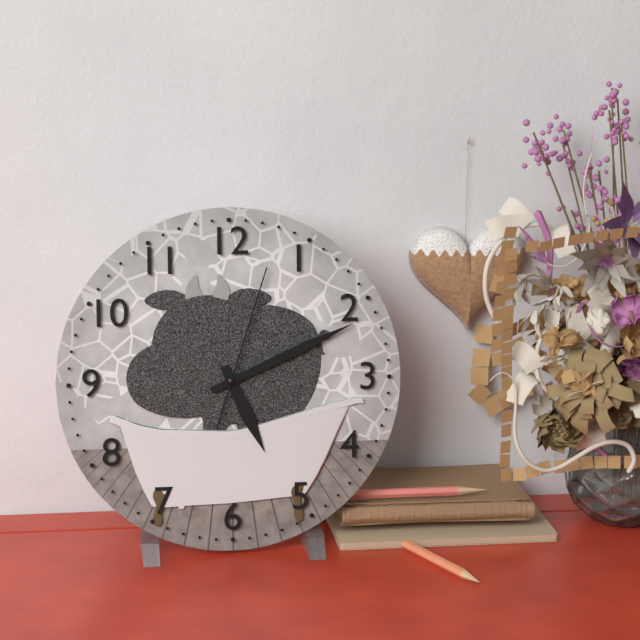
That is 5 h 11 min 03 s
